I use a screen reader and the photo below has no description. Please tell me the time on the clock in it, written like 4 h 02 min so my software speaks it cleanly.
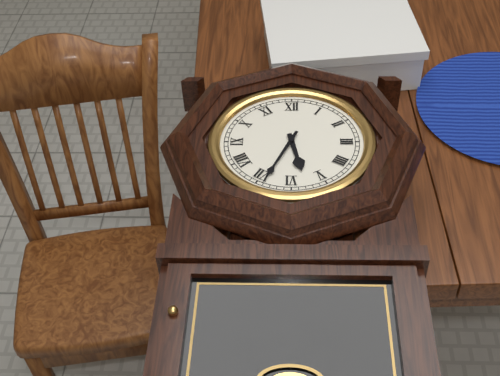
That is 5 h 34 min
